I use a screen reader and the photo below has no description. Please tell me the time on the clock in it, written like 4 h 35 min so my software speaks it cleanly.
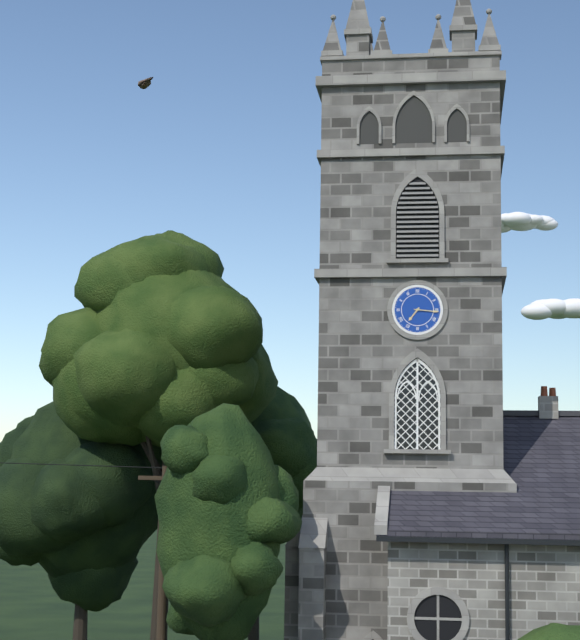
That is 7 h 16 min
